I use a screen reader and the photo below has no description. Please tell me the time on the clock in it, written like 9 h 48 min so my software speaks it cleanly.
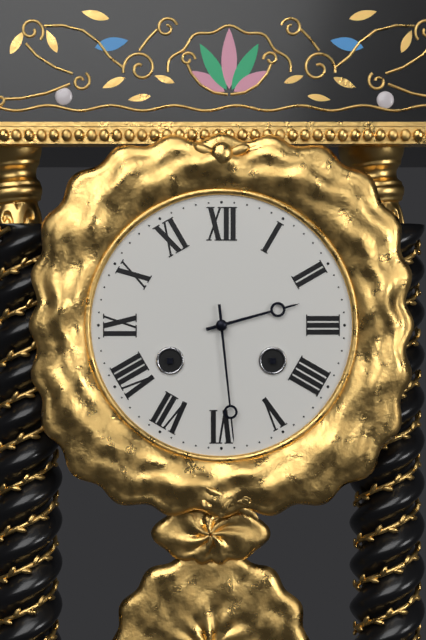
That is 2 h 29 min
